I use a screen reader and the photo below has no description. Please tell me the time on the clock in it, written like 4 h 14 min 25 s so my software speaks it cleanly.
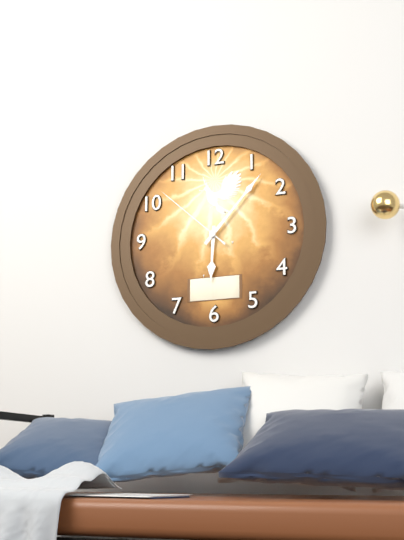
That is 6 h 07 min 52 s
